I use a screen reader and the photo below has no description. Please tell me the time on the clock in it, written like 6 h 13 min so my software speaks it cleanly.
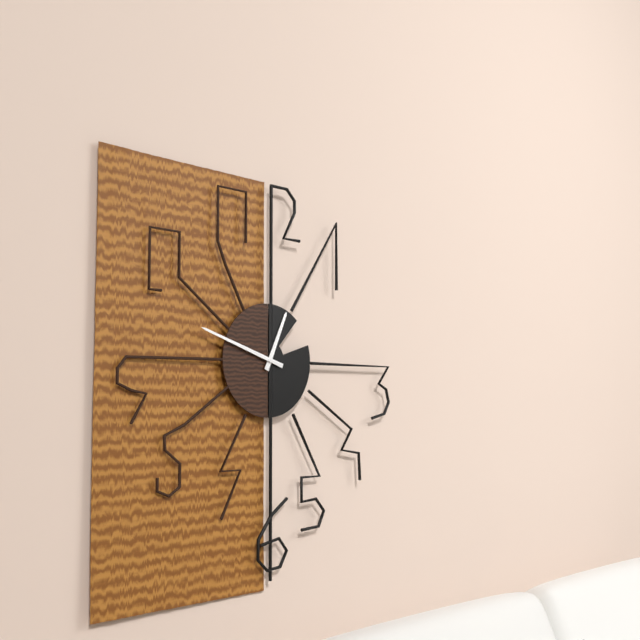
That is 12 h 48 min
